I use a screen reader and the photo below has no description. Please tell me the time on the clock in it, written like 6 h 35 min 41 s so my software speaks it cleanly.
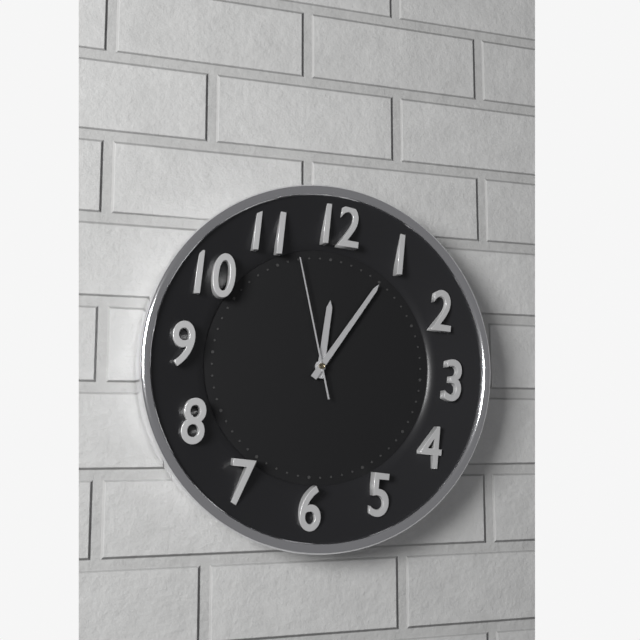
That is 12 h 05 min 57 s
